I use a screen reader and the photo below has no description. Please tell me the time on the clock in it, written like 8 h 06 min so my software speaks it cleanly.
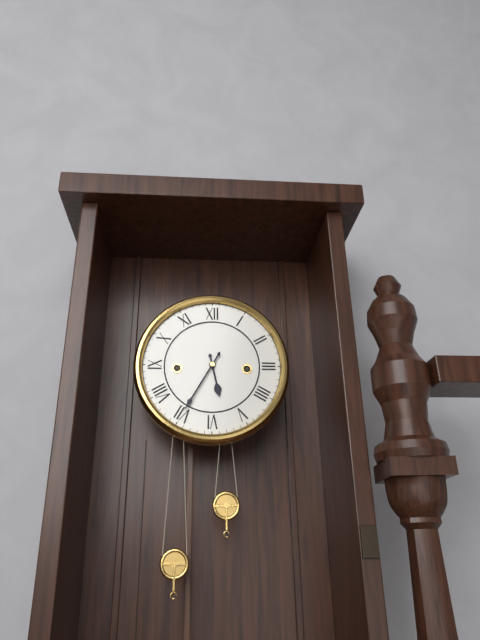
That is 5 h 35 min
